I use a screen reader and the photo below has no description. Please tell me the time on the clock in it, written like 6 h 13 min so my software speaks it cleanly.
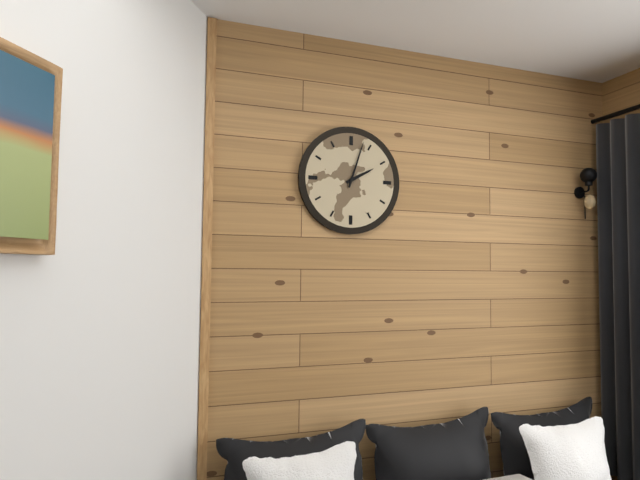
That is 2 h 03 min
